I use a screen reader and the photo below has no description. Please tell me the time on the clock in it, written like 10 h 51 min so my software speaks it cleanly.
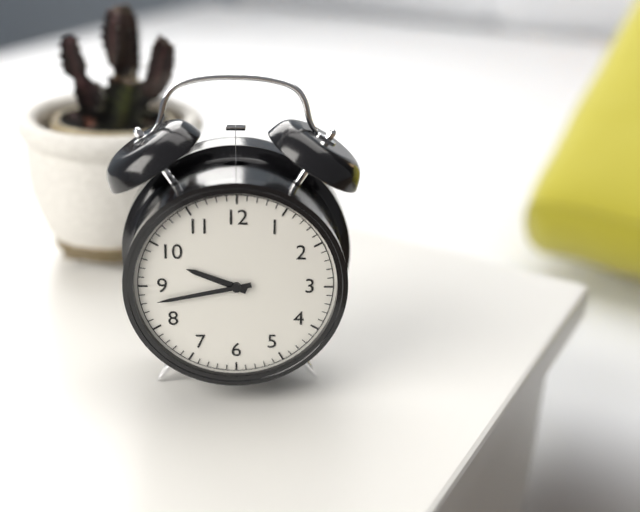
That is 9 h 43 min
